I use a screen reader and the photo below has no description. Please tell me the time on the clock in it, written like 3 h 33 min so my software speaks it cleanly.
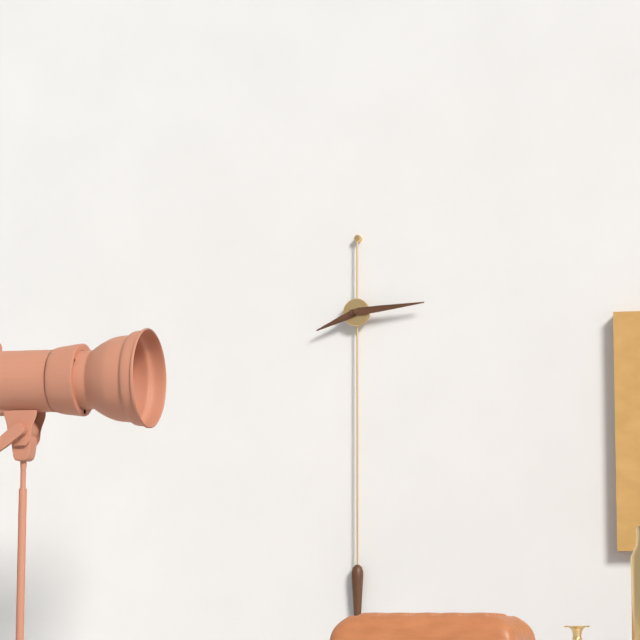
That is 8 h 14 min
